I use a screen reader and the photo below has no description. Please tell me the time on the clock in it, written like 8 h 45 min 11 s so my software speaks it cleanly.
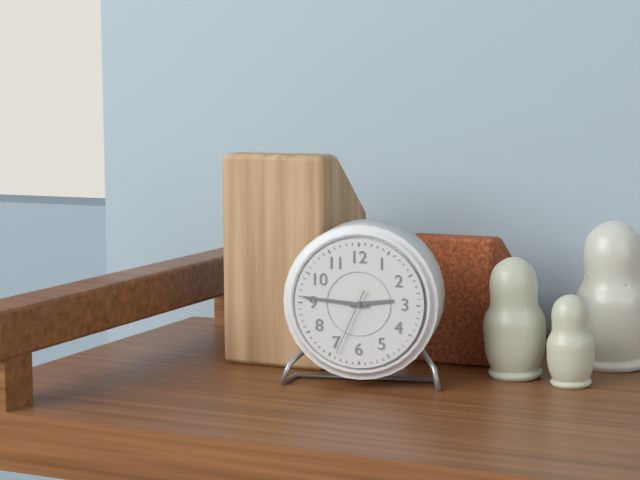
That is 2 h 46 min 34 s
